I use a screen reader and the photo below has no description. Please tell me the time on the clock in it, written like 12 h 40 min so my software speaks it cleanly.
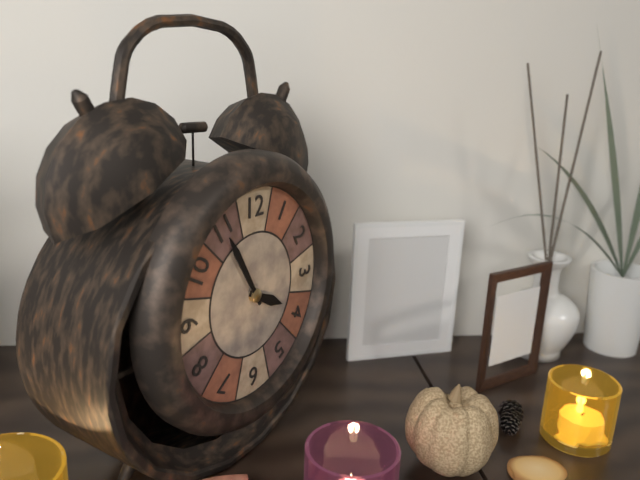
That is 3 h 55 min
